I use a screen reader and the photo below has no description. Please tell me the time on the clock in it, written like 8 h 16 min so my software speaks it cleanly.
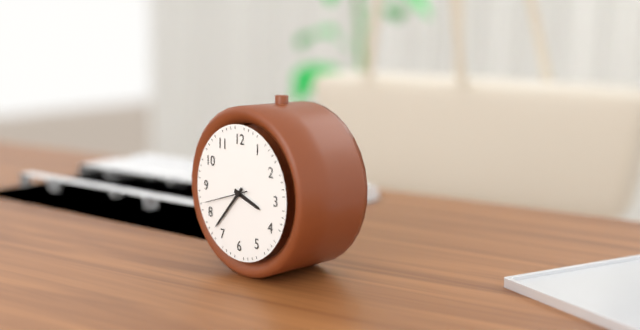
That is 3 h 37 min
